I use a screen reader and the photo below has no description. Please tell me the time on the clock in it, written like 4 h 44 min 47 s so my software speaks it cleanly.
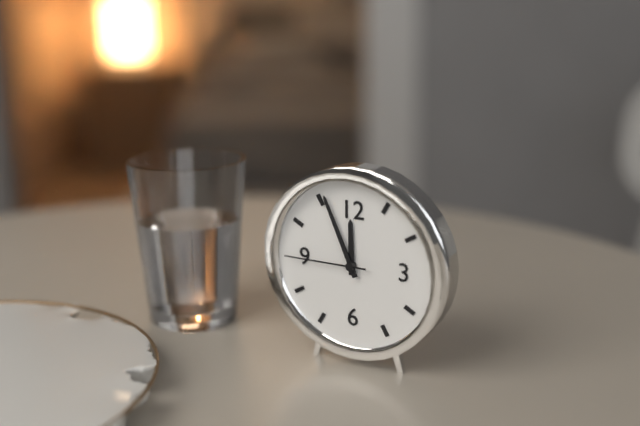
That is 11 h 56 min 45 s
